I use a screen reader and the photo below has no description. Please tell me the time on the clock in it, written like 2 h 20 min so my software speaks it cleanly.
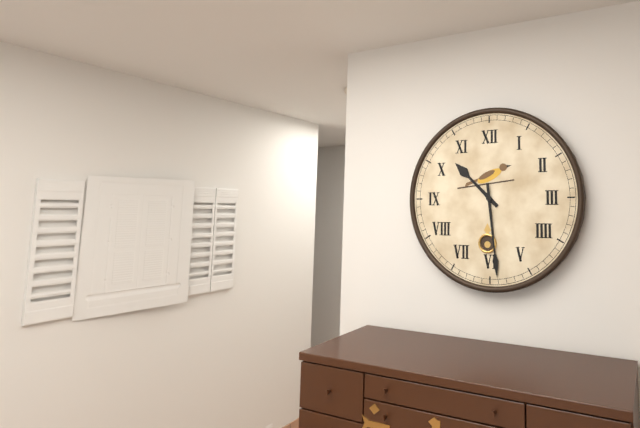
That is 10 h 29 min
